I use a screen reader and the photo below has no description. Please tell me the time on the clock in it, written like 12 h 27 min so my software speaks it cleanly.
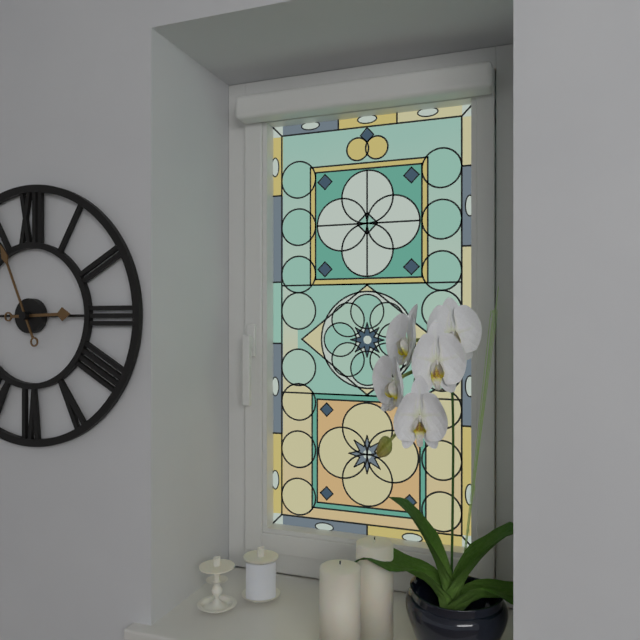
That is 2 h 56 min
